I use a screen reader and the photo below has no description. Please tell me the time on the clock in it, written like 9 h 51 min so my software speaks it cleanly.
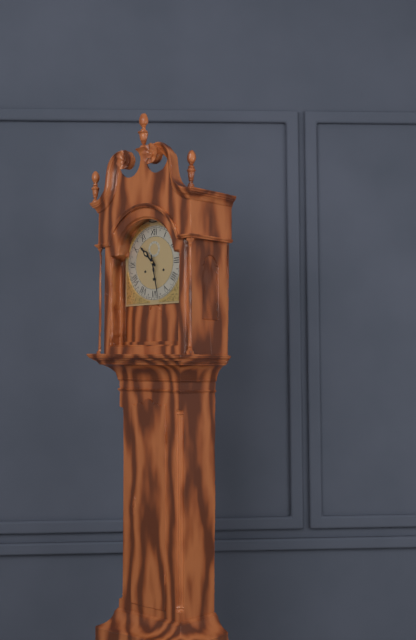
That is 10 h 28 min
